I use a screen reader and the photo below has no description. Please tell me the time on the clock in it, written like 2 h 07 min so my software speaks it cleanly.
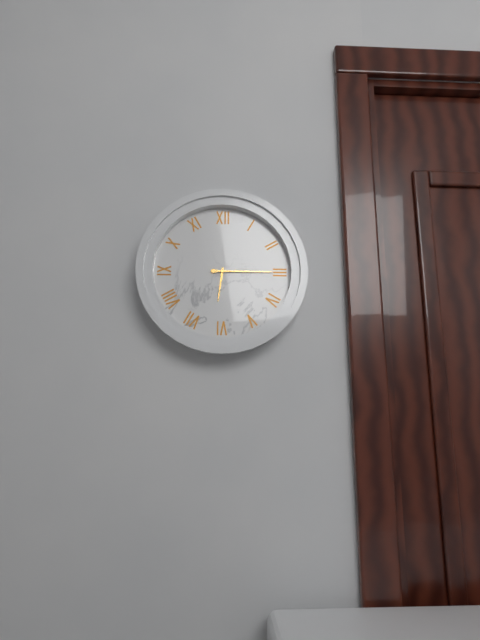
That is 6 h 15 min
